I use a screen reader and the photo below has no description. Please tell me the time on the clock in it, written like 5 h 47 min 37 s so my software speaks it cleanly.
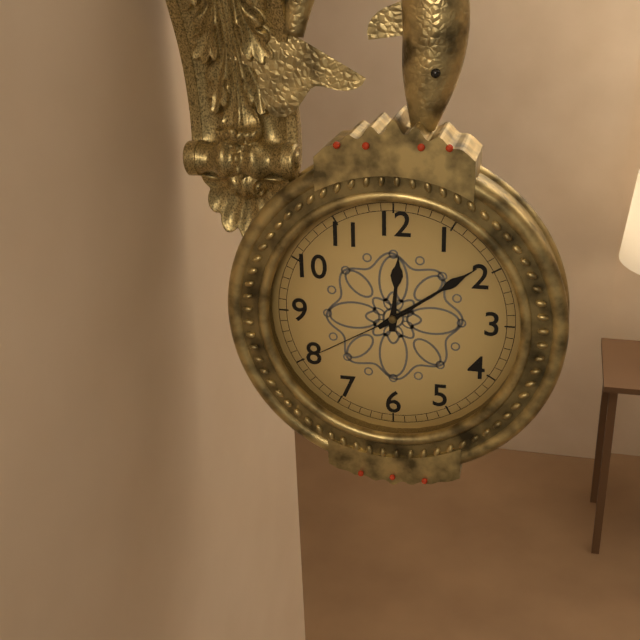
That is 12 h 09 min 40 s
